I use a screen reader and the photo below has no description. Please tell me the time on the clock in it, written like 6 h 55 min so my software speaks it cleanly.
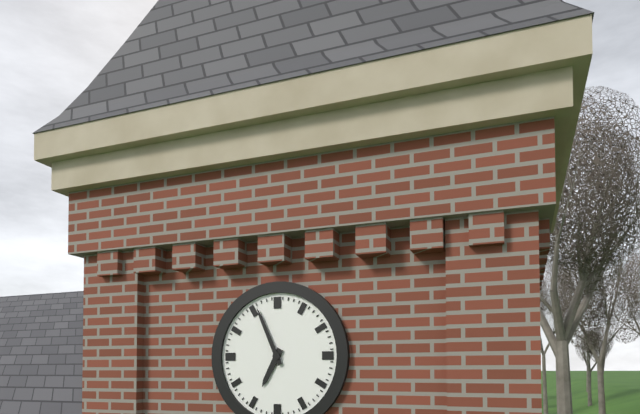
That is 6 h 56 min
